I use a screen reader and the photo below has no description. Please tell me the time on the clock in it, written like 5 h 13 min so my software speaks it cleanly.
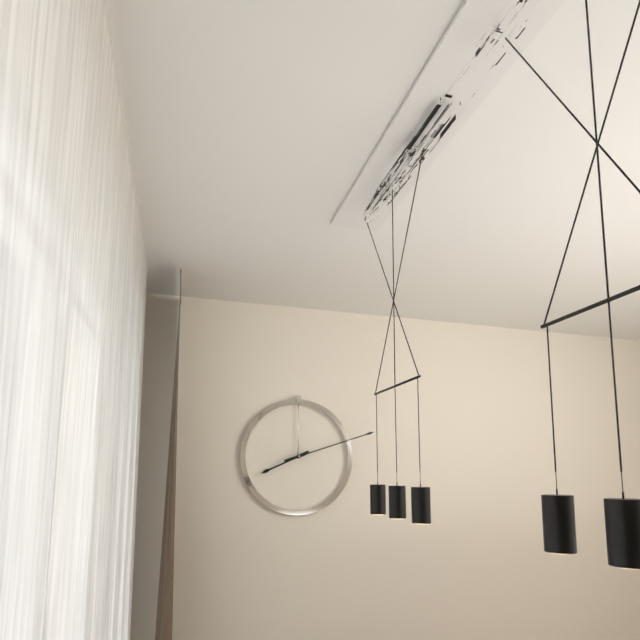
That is 8 h 12 min
